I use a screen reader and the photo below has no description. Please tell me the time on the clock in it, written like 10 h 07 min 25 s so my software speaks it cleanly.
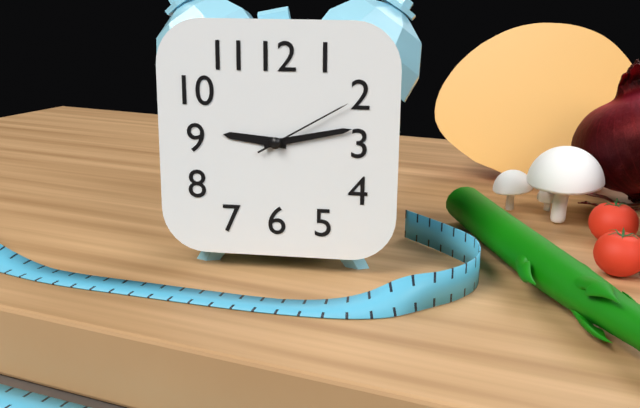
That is 9 h 13 min 10 s
